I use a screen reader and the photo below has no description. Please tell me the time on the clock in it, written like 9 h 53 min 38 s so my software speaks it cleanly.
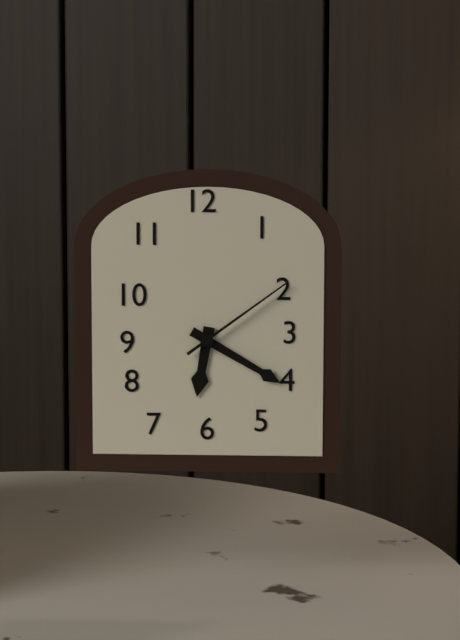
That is 6 h 20 min 09 s
